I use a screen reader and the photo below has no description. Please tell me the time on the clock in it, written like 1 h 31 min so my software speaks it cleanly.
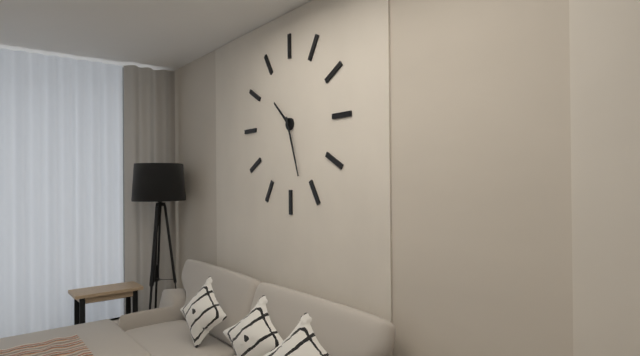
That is 10 h 27 min
